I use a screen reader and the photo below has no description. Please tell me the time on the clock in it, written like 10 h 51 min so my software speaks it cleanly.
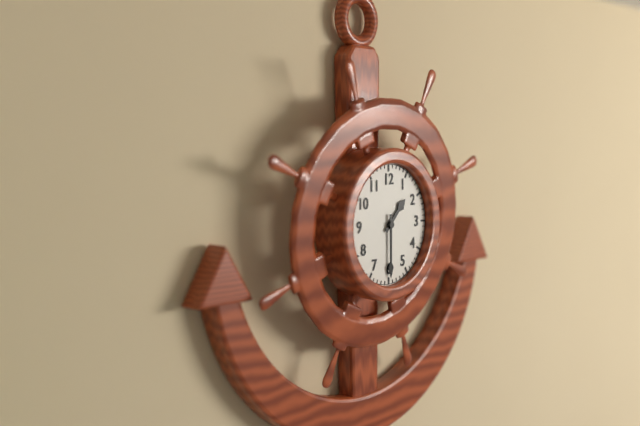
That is 1 h 30 min
